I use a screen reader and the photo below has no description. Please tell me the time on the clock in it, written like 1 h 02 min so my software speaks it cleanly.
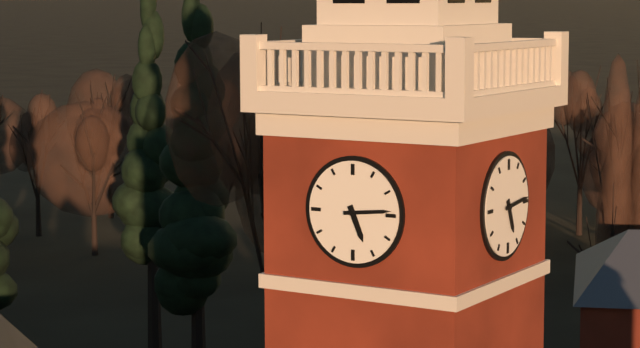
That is 5 h 14 min
